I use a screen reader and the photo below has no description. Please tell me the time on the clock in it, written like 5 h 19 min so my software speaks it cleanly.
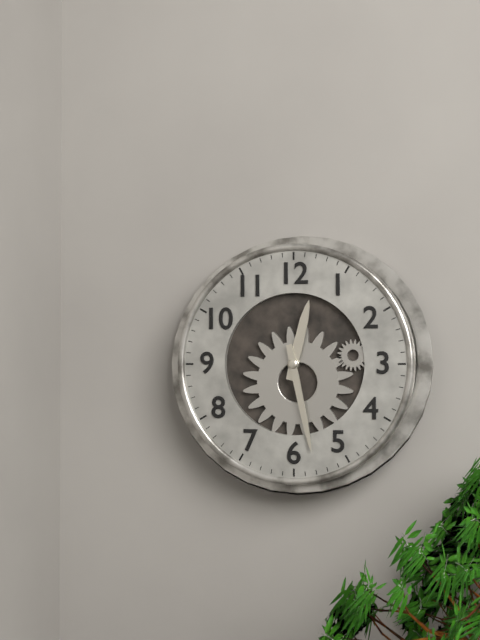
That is 12 h 28 min
